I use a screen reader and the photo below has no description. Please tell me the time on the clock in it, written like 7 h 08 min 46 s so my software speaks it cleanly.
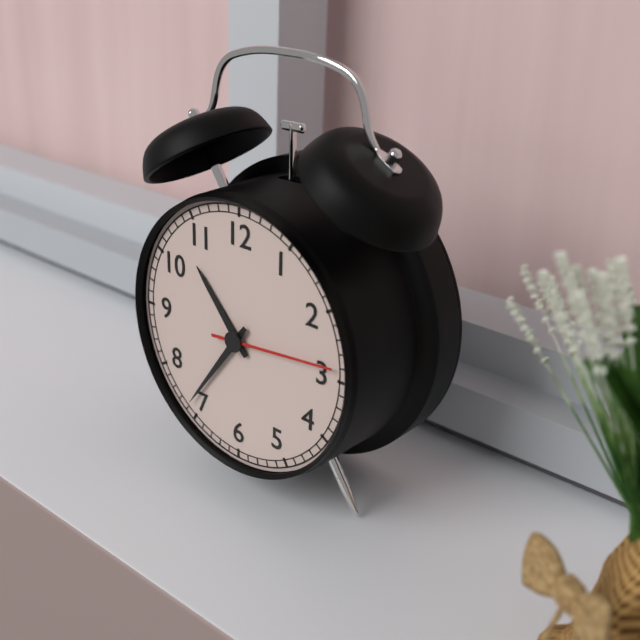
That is 10 h 36 min 14 s
